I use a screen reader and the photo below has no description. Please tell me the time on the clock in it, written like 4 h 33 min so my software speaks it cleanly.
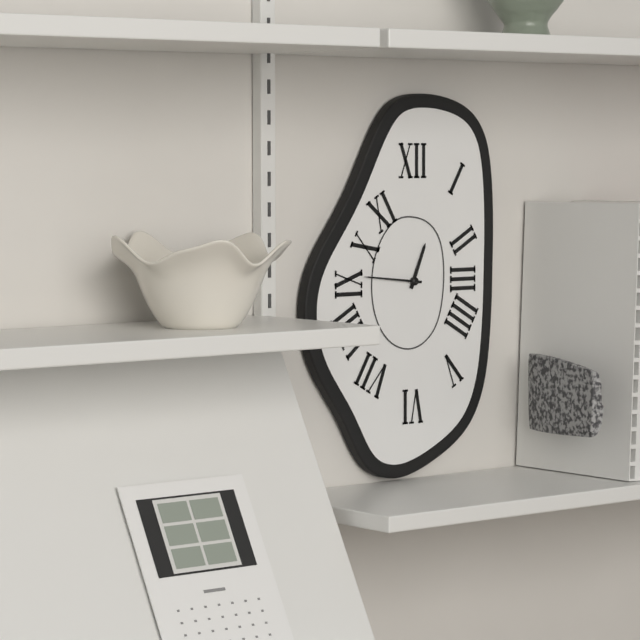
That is 12 h 46 min
